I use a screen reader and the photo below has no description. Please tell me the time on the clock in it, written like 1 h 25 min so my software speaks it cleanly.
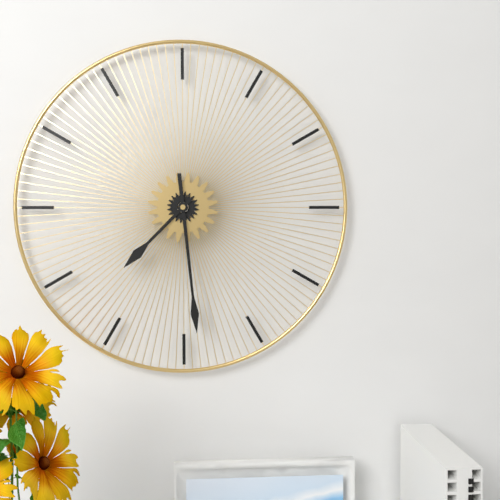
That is 7 h 29 min
